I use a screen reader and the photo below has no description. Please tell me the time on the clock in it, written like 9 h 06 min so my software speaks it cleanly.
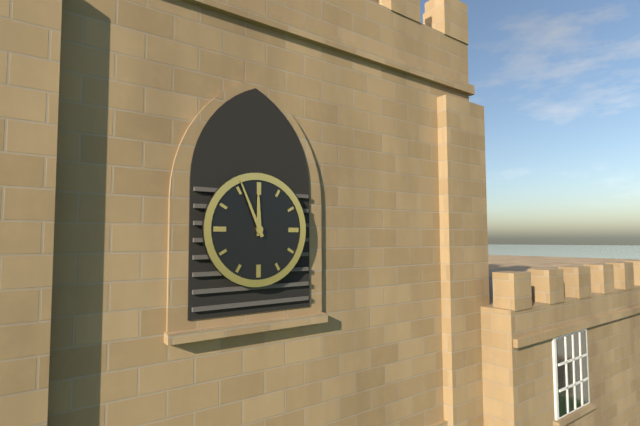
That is 11 h 56 min
